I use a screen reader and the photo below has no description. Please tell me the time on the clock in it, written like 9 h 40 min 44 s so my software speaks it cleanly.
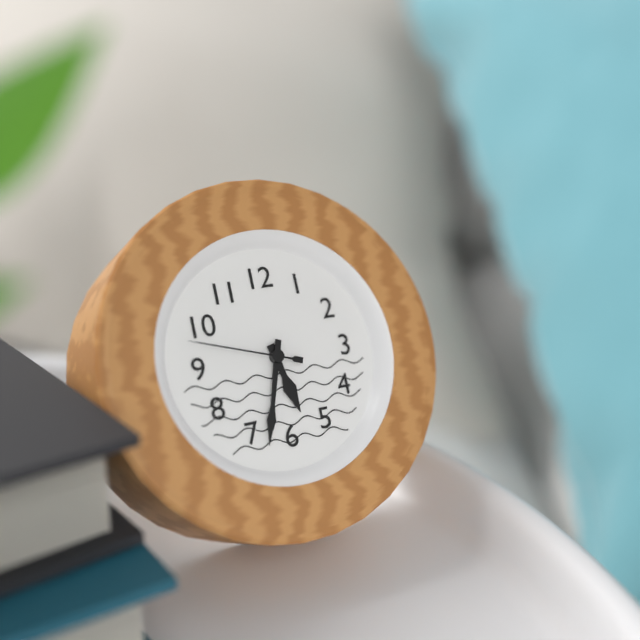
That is 5 h 33 min 48 s
